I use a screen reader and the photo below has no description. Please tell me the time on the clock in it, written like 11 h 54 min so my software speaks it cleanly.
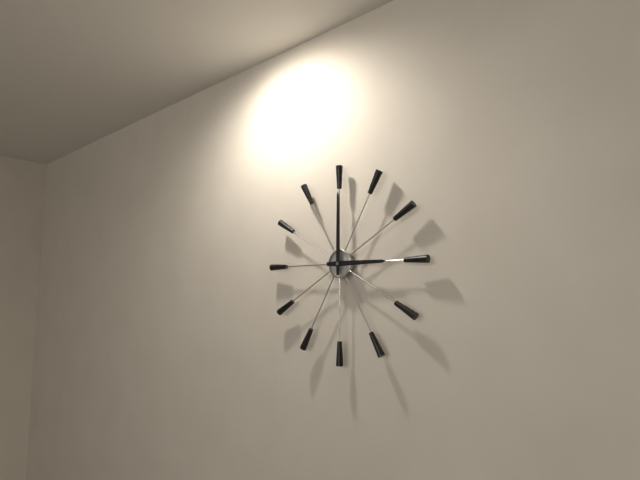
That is 3 h 00 min
